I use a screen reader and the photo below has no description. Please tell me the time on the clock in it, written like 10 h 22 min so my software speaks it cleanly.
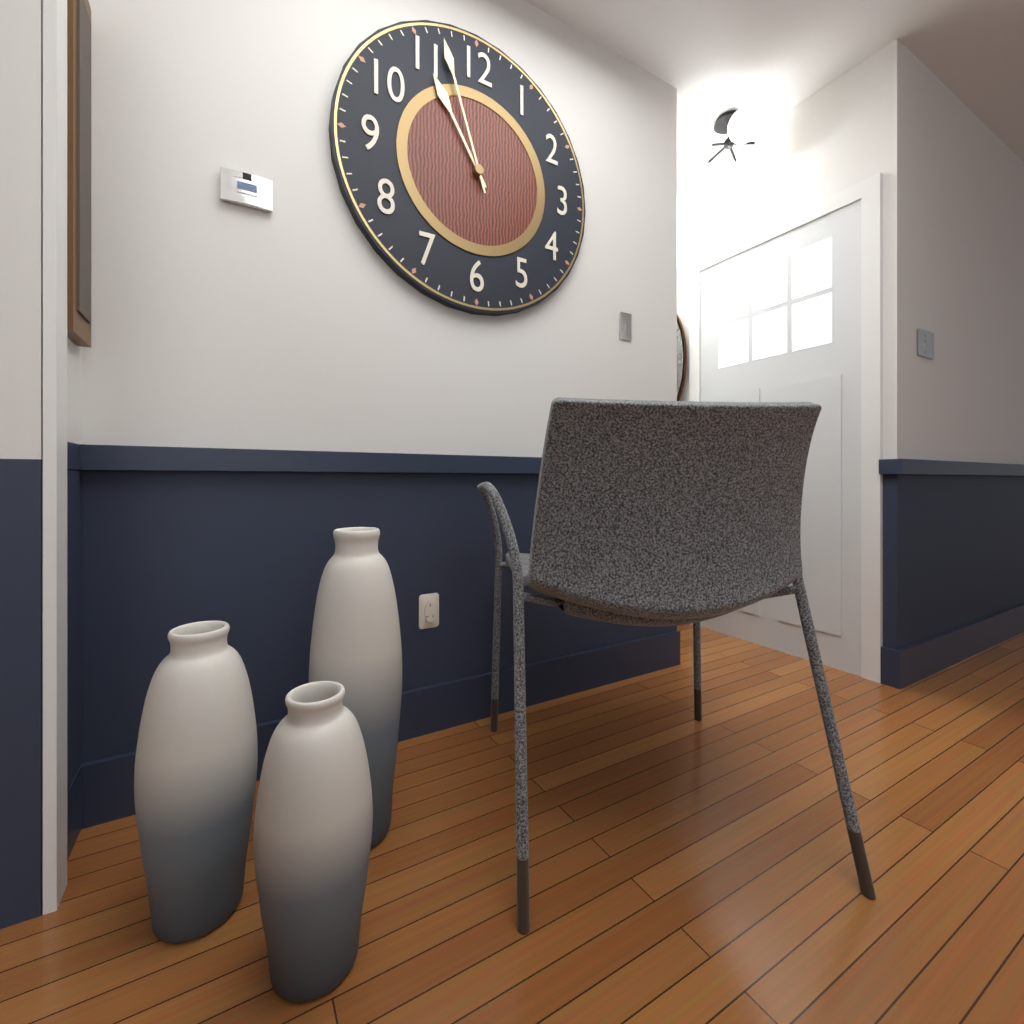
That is 10 h 57 min
